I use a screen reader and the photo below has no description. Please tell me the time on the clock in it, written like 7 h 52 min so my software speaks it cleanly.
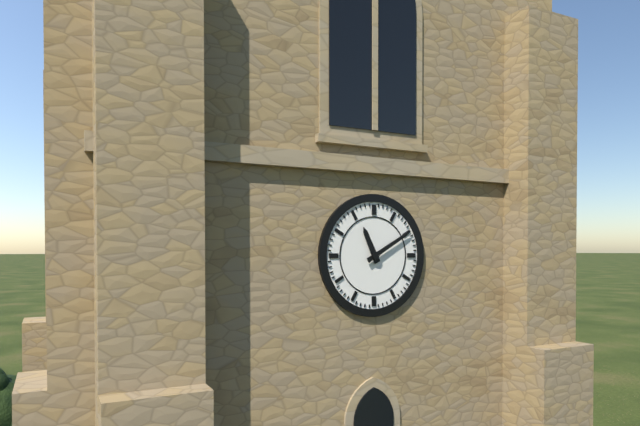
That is 11 h 10 min
